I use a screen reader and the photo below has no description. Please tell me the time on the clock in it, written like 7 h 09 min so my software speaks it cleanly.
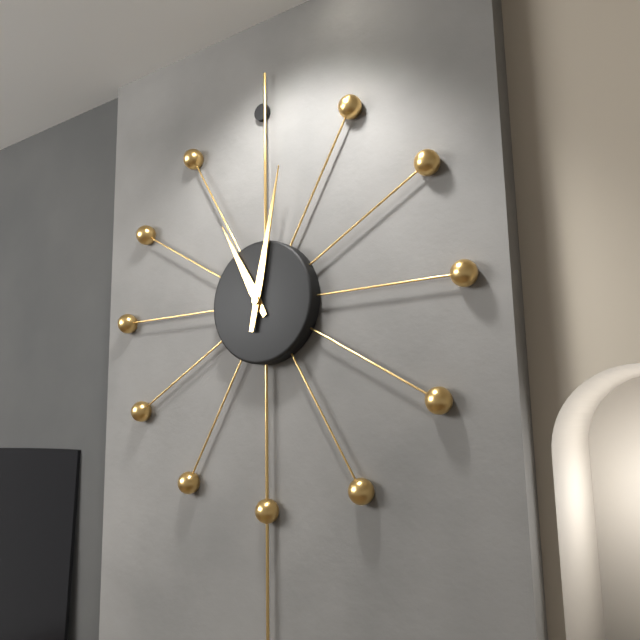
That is 11 h 02 min
